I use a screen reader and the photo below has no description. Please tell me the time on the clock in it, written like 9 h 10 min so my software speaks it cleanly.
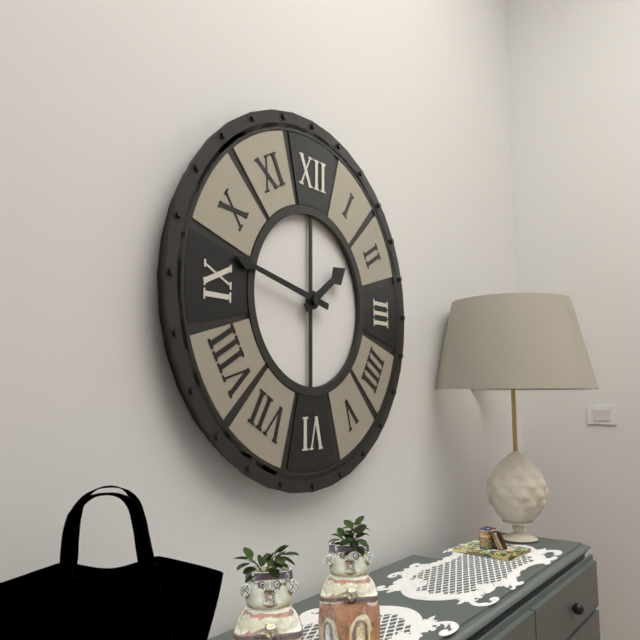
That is 1 h 47 min
